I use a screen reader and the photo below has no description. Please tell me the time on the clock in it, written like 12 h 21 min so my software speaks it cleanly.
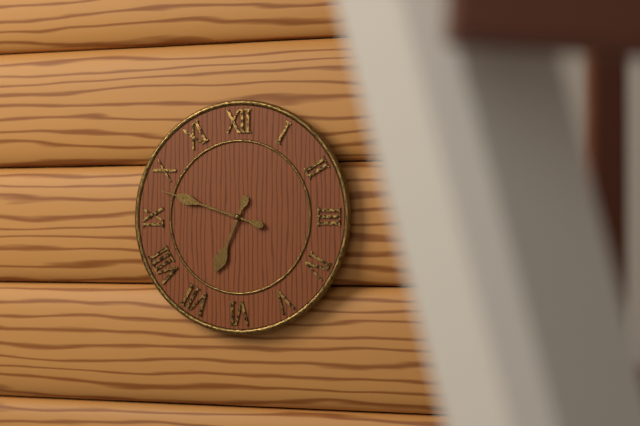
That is 6 h 48 min
